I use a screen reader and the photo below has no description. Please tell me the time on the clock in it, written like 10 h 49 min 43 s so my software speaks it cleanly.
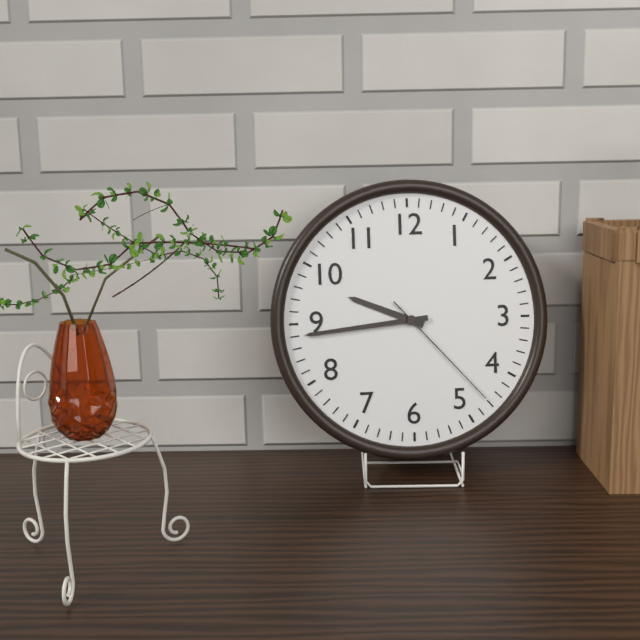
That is 9 h 44 min 23 s
